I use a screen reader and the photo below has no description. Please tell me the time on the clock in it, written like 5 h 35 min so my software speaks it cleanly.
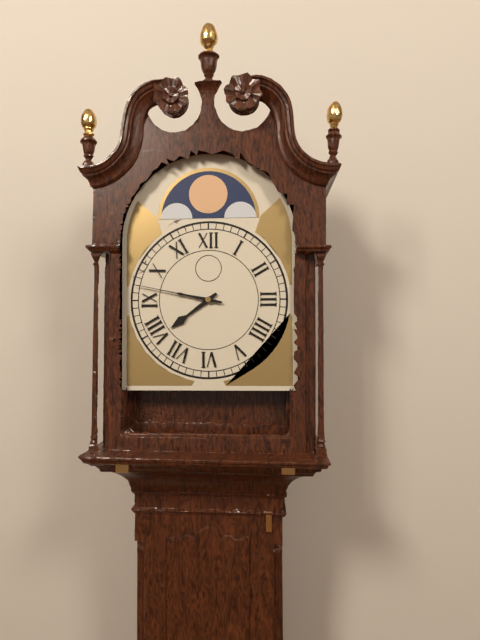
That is 7 h 47 min
